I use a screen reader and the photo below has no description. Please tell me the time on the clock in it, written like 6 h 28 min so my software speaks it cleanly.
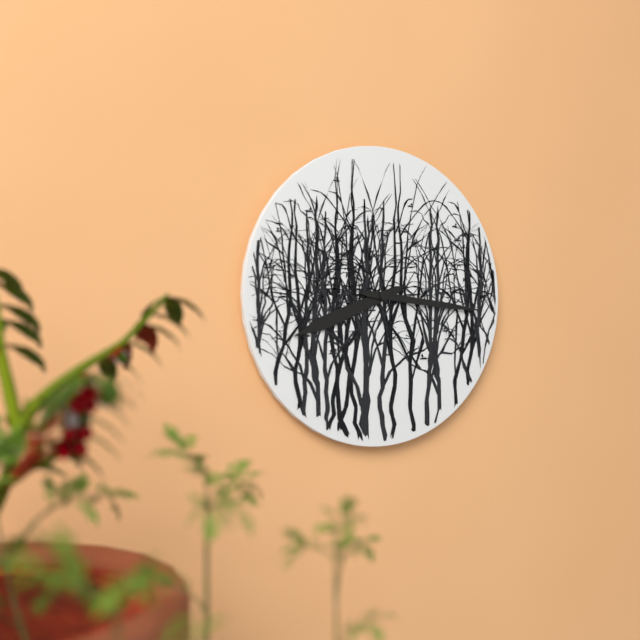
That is 8 h 16 min
